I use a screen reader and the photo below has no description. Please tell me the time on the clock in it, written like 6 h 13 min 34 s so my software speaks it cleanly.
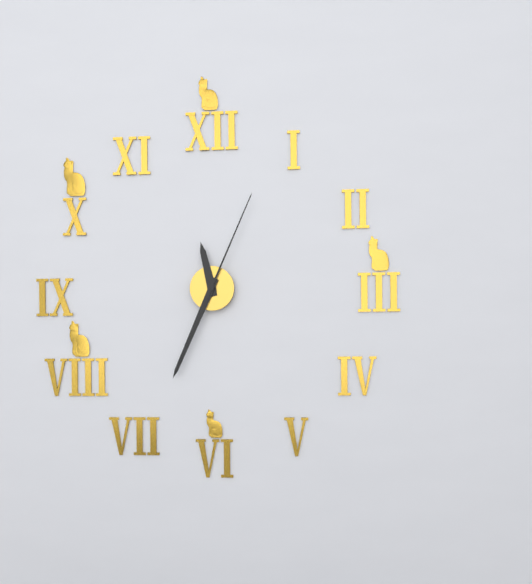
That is 11 h 34 min 04 s
